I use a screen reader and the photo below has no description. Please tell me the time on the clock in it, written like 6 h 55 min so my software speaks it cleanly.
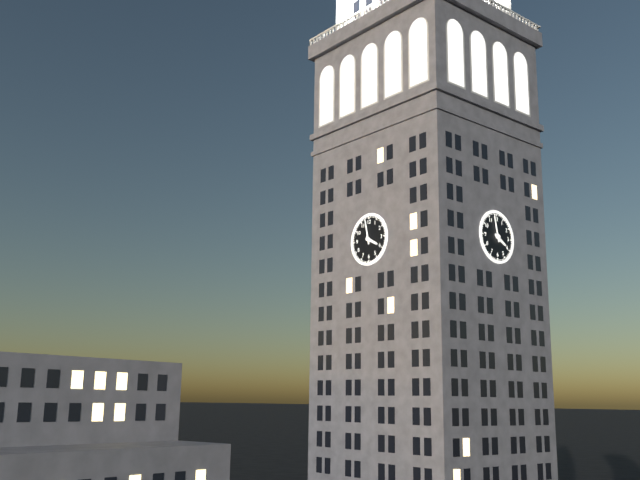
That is 3 h 58 min
